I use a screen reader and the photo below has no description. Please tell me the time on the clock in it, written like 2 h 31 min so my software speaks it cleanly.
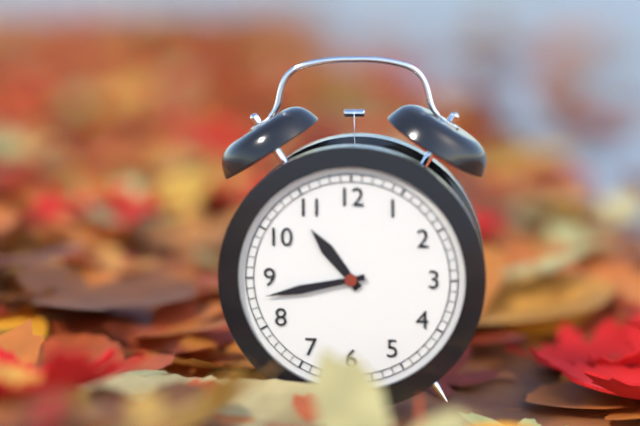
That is 10 h 43 min
